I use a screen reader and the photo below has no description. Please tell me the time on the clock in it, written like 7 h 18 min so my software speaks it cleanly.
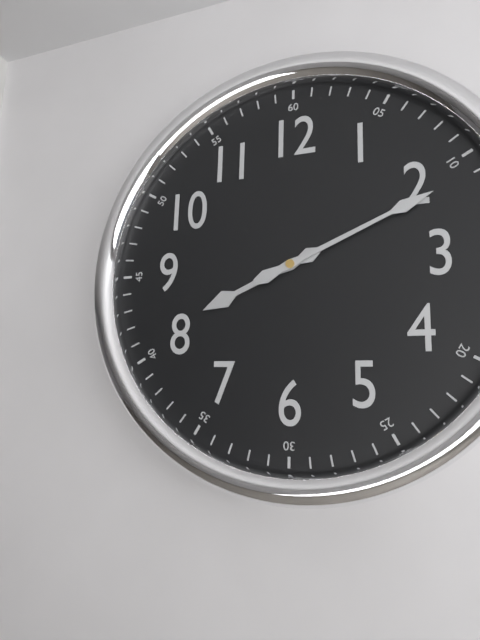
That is 8 h 11 min
